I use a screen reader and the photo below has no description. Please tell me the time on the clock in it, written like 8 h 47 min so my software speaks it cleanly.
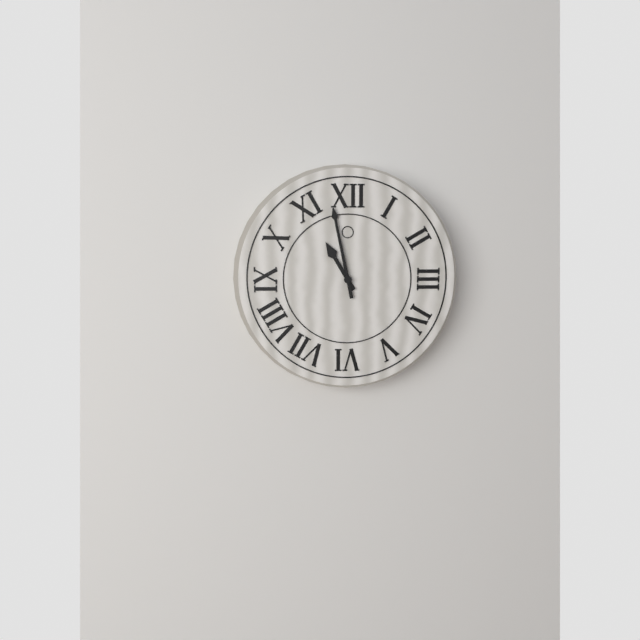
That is 10 h 58 min
